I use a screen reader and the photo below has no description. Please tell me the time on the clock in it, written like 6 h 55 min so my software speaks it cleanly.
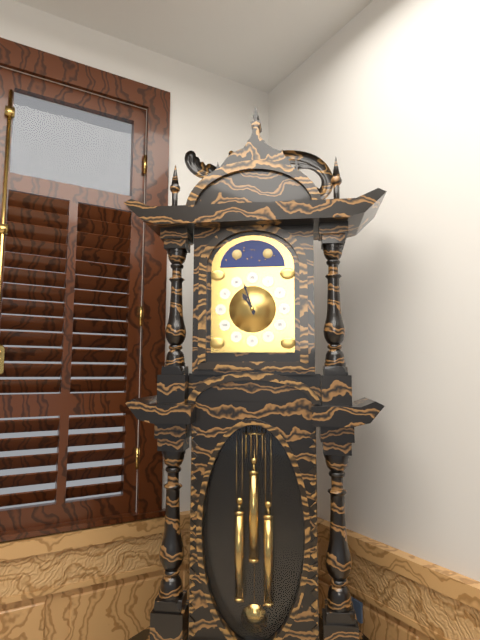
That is 10 h 57 min
